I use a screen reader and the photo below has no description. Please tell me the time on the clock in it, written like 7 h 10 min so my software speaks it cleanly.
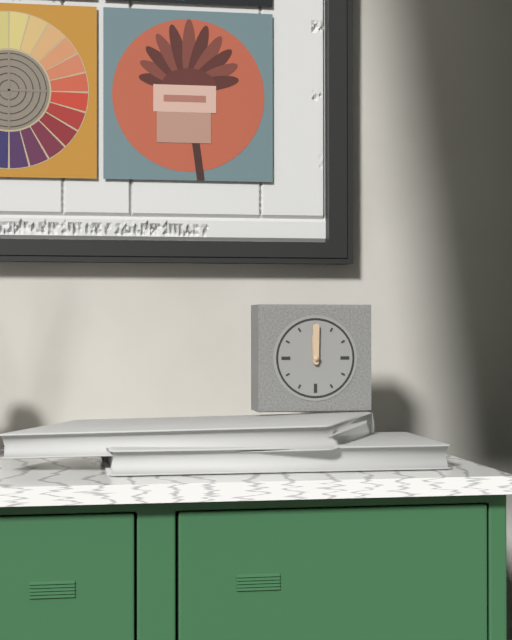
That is 12 h 00 min
